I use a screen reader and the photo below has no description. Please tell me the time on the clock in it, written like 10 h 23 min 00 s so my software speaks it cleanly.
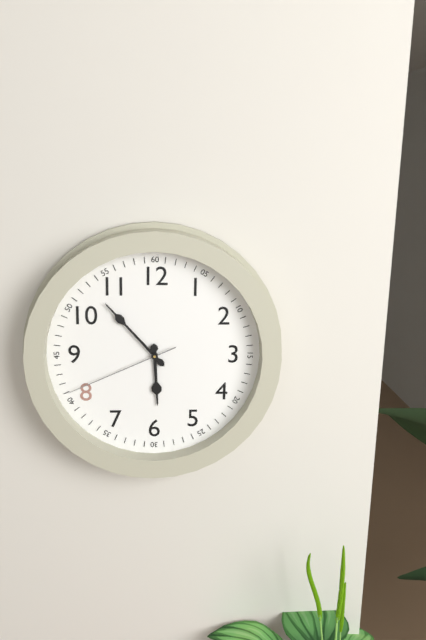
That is 5 h 53 min 41 s
